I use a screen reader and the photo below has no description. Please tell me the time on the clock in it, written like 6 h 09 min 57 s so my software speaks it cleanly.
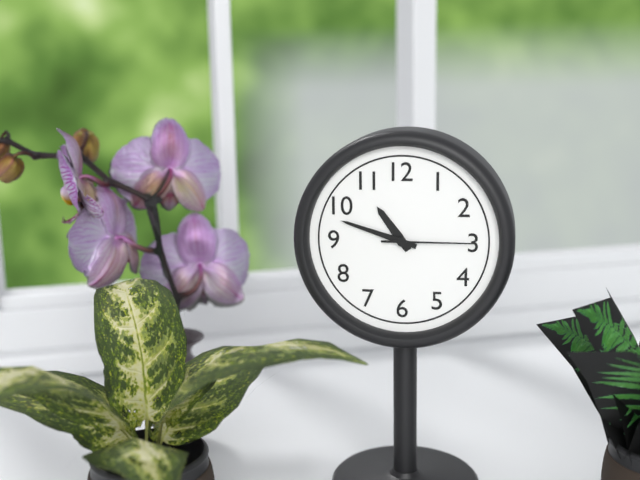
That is 10 h 48 min 15 s
